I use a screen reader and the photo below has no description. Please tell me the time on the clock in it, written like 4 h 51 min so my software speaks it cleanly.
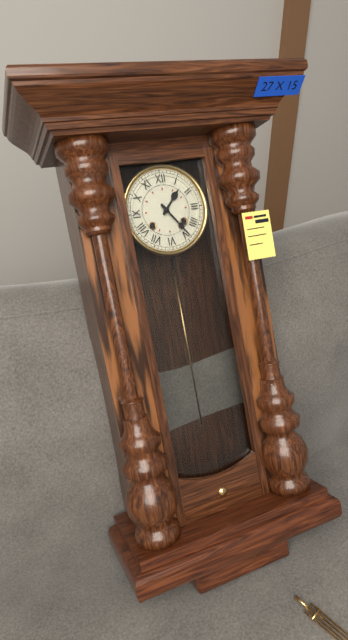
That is 1 h 24 min
